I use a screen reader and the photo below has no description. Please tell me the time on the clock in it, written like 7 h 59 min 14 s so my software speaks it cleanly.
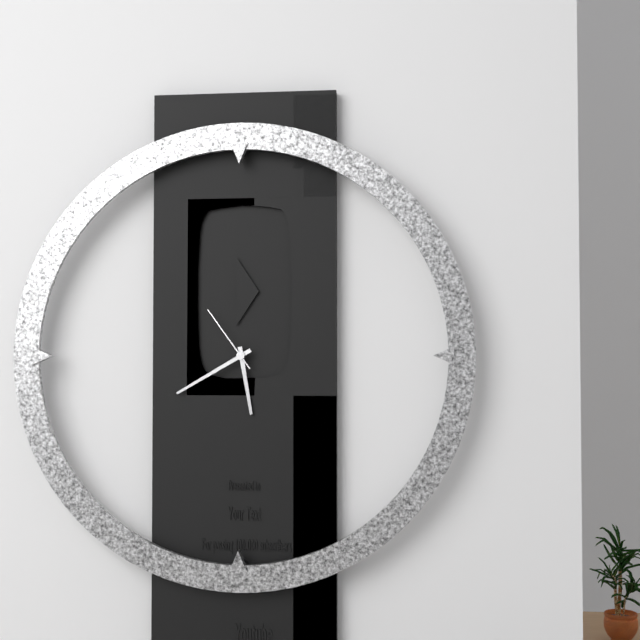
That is 5 h 40 min 54 s
